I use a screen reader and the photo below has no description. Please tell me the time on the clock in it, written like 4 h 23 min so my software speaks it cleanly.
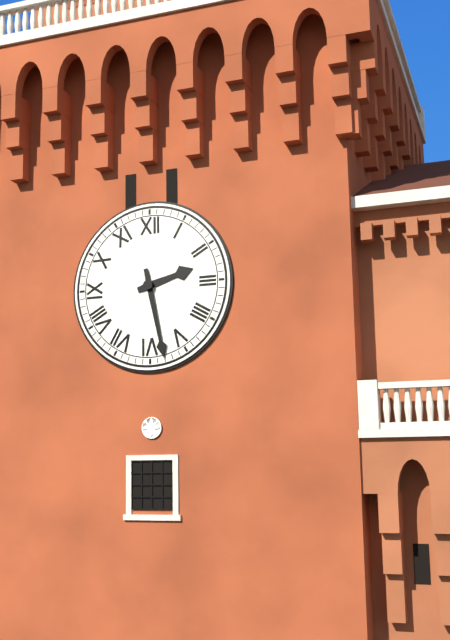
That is 2 h 28 min
